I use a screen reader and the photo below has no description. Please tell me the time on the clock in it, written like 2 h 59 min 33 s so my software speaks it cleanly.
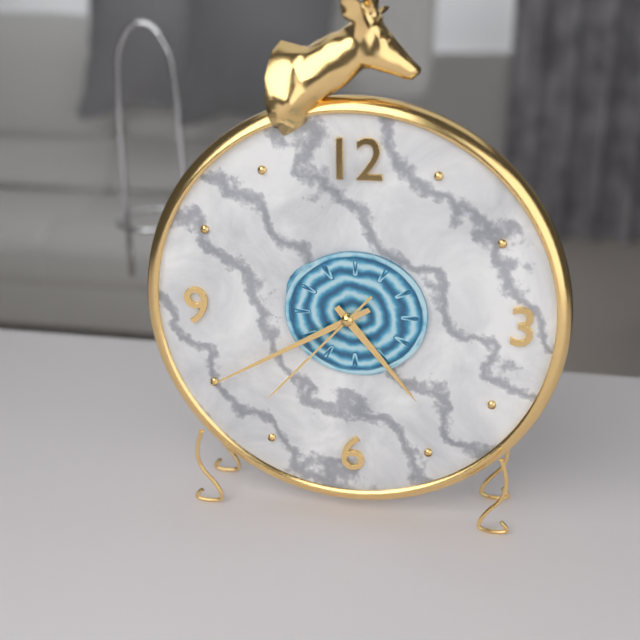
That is 4 h 40 min 37 s
